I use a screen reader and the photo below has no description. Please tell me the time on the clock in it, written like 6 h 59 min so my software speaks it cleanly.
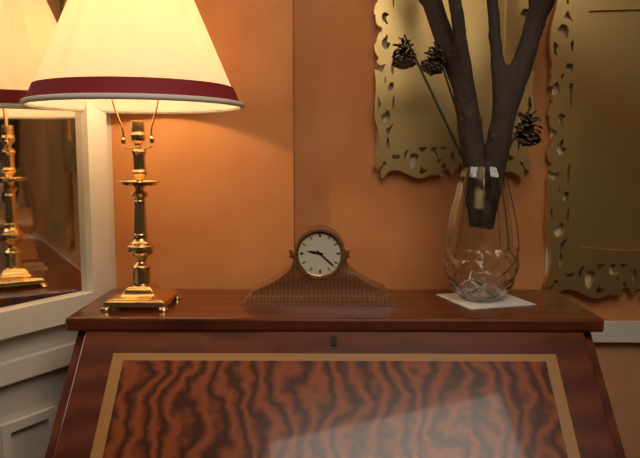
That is 9 h 22 min
